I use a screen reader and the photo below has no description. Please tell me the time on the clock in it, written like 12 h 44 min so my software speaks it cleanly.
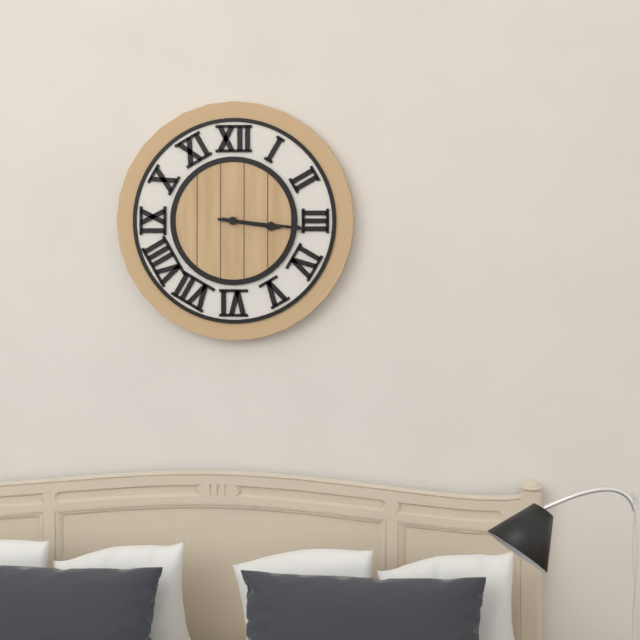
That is 3 h 16 min
